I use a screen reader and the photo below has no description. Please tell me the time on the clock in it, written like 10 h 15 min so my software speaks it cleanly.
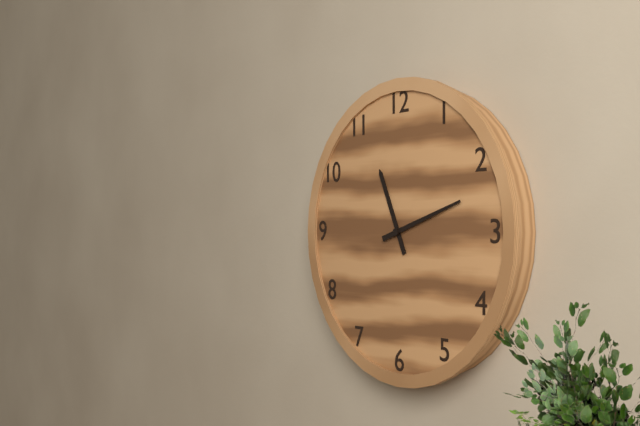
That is 11 h 12 min
